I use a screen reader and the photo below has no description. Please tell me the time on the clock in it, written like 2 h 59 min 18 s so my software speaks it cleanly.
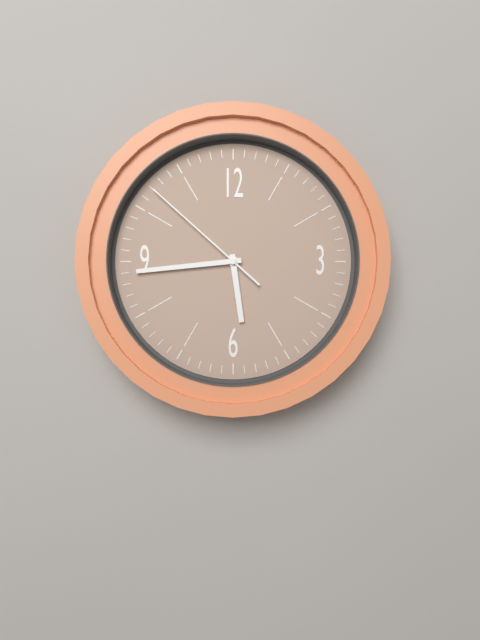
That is 5 h 44 min 52 s
